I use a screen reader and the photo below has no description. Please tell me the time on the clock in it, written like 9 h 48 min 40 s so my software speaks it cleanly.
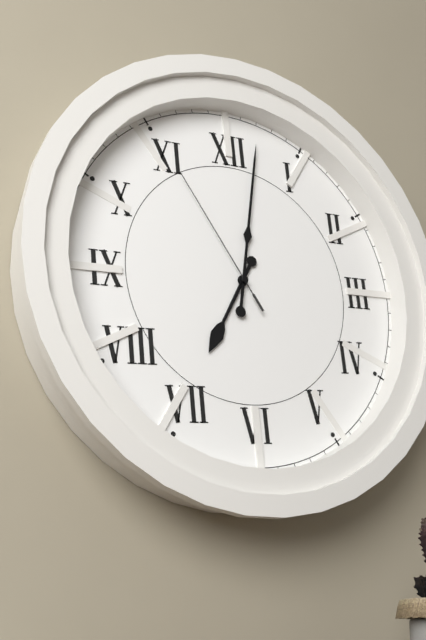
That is 7 h 02 min 55 s
